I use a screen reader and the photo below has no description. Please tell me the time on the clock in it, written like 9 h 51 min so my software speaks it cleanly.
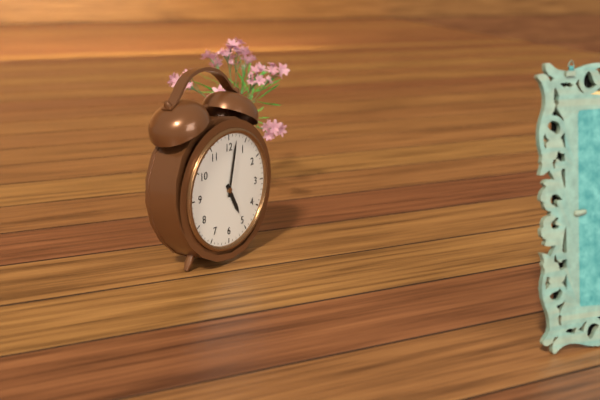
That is 5 h 02 min
